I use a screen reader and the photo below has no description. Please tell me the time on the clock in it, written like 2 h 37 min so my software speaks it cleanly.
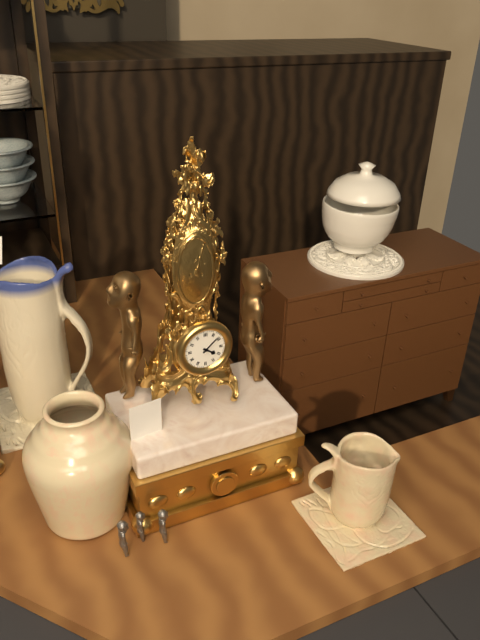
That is 4 h 08 min
